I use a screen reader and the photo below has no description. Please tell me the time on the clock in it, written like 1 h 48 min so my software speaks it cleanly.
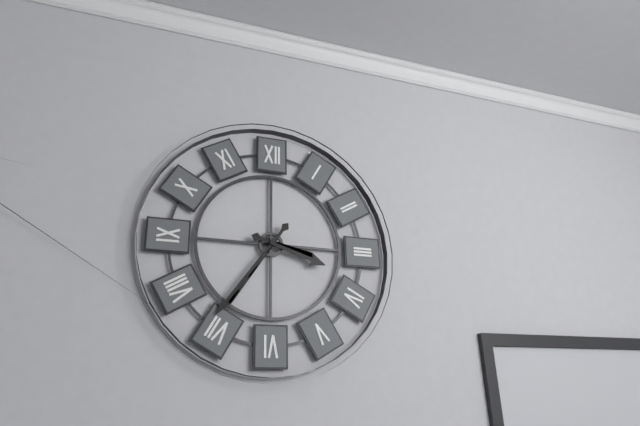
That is 3 h 36 min
